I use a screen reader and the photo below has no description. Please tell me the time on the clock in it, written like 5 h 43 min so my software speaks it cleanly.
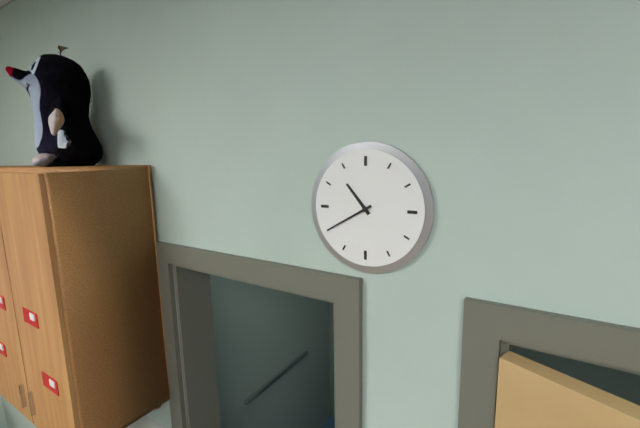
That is 10 h 40 min
